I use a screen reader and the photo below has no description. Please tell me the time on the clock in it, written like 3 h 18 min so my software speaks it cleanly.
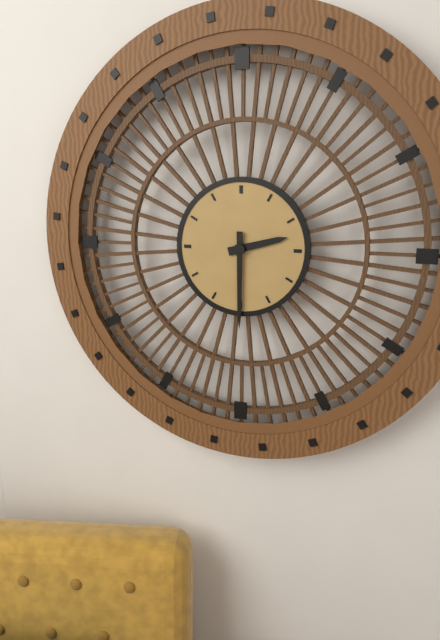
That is 2 h 30 min
